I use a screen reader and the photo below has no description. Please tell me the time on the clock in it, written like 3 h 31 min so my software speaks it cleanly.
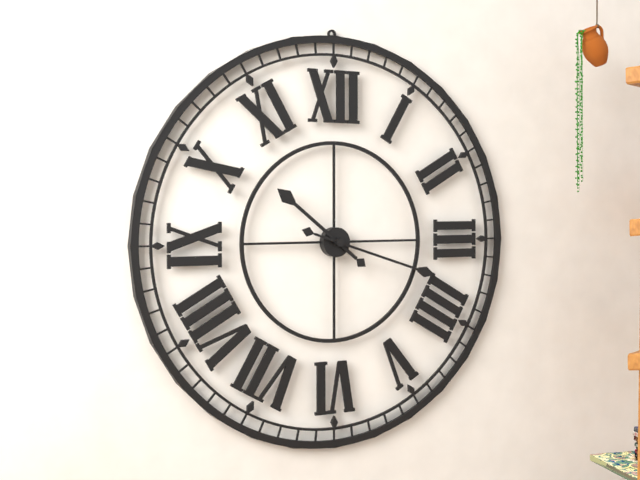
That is 10 h 18 min
